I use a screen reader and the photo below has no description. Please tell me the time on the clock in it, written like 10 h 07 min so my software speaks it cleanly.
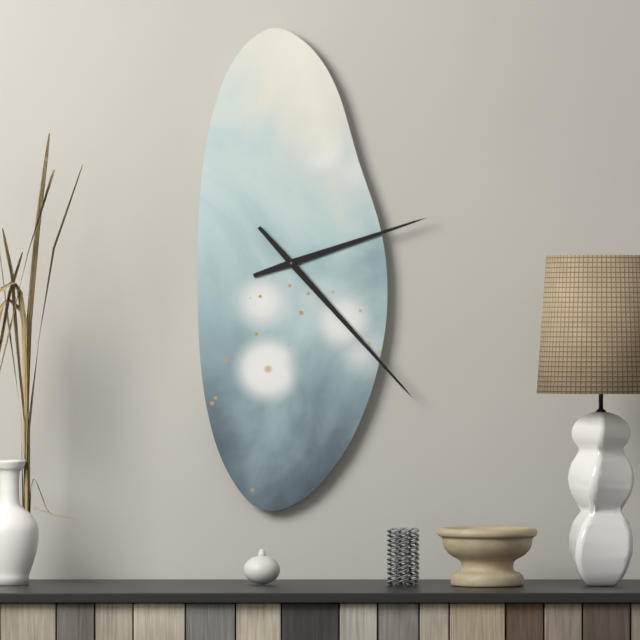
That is 2 h 23 min
